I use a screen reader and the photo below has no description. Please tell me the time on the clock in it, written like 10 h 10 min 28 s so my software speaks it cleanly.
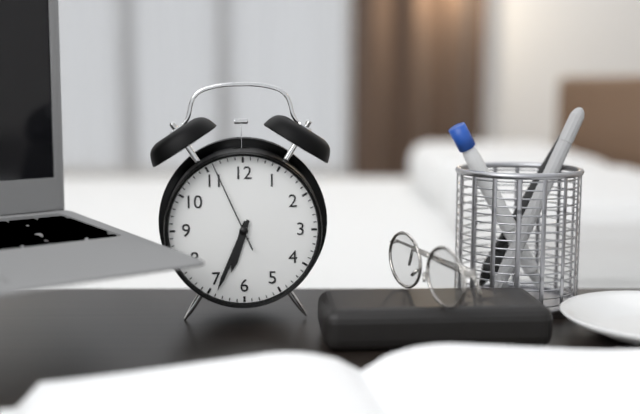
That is 6 h 34 min 56 s
